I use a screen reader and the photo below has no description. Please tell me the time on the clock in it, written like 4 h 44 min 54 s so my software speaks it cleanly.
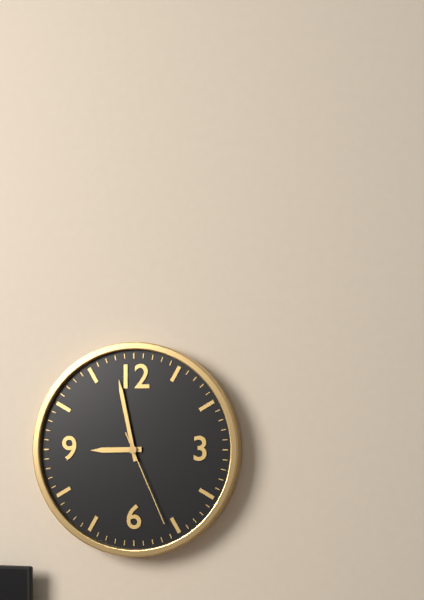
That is 8 h 58 min 26 s
